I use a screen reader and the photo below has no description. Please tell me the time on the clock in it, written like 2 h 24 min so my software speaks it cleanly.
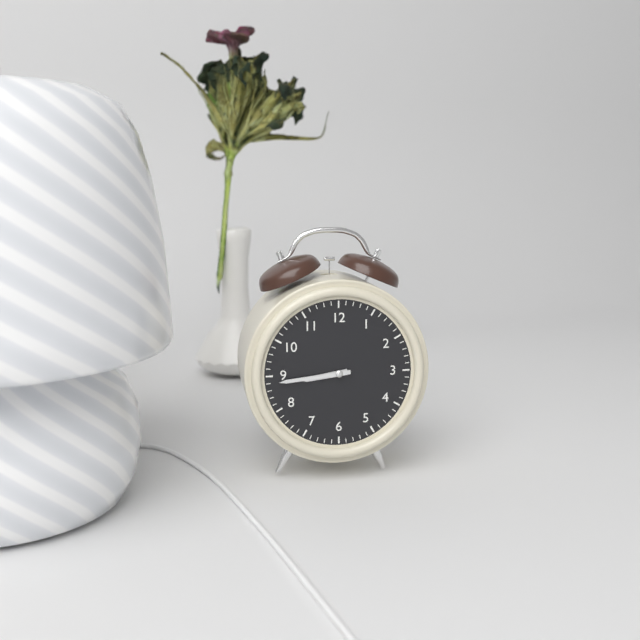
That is 8 h 44 min
